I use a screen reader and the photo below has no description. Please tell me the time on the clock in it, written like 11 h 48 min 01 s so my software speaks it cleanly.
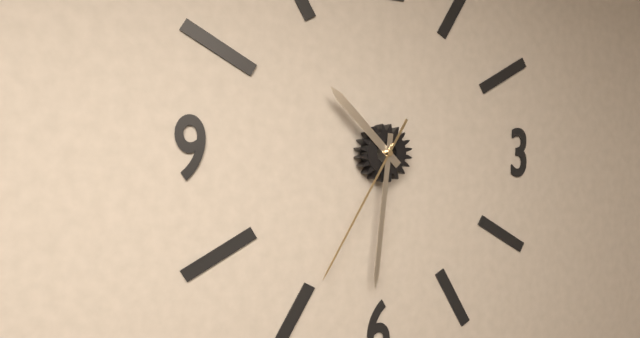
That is 10 h 31 min 35 s
